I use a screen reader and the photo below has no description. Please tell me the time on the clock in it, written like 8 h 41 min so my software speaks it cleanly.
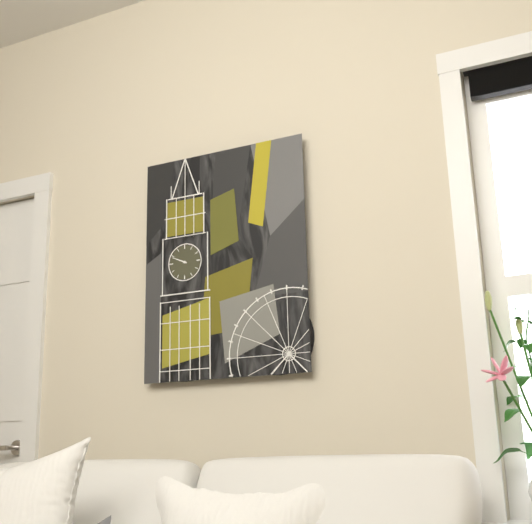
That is 9 h 49 min
